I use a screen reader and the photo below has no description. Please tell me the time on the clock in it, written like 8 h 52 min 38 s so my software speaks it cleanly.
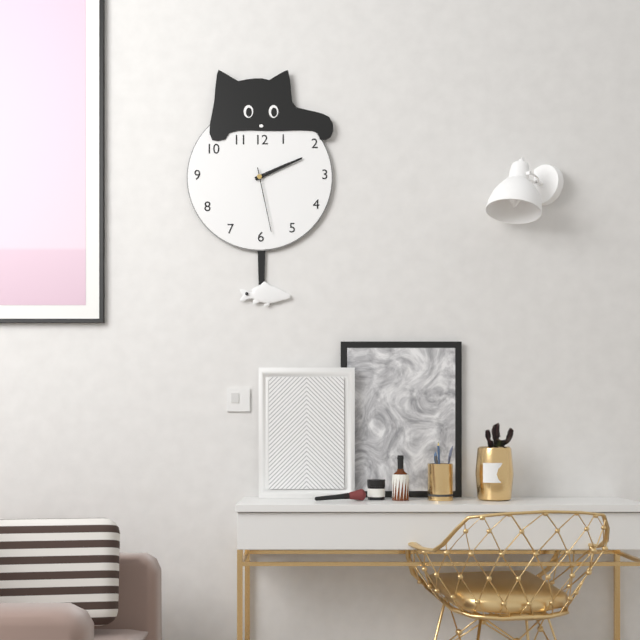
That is 2 h 11 min 28 s
